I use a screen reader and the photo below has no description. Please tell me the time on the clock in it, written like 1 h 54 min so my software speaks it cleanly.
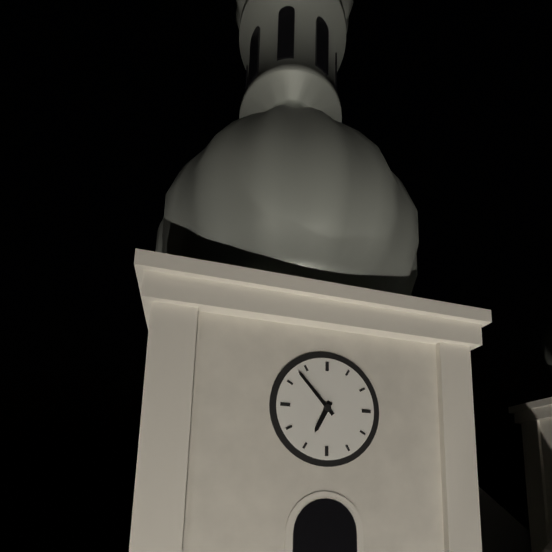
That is 6 h 53 min
